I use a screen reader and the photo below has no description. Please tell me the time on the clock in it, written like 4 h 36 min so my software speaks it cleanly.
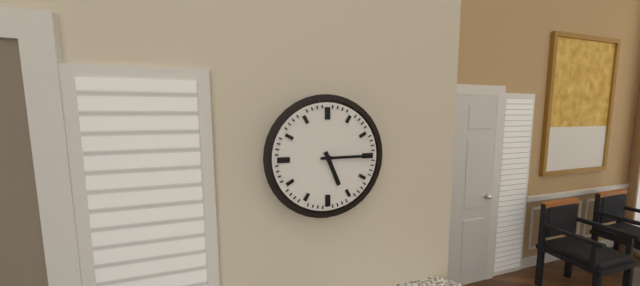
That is 5 h 15 min
